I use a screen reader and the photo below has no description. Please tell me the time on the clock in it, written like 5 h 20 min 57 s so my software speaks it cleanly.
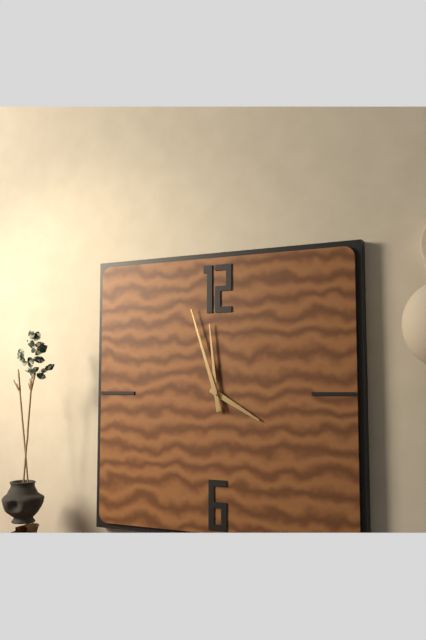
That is 3 h 59 min 57 s
